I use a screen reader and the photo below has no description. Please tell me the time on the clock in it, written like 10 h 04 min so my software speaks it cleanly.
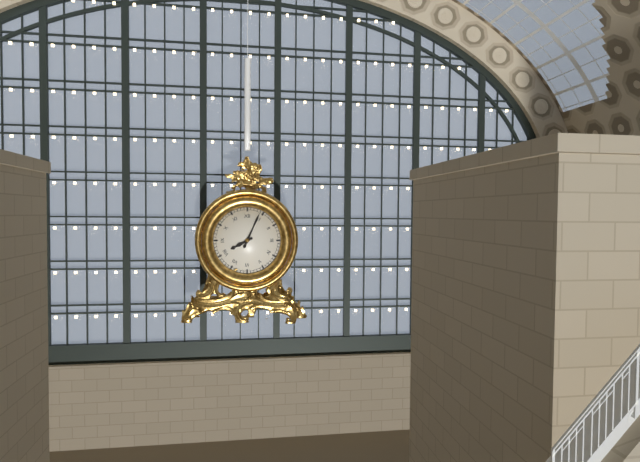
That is 8 h 04 min
